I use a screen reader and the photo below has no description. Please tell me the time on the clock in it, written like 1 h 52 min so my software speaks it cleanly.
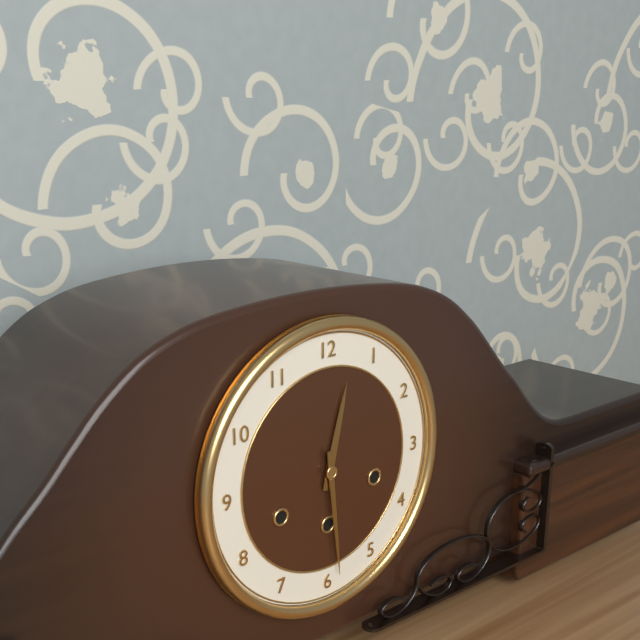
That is 12 h 29 min
